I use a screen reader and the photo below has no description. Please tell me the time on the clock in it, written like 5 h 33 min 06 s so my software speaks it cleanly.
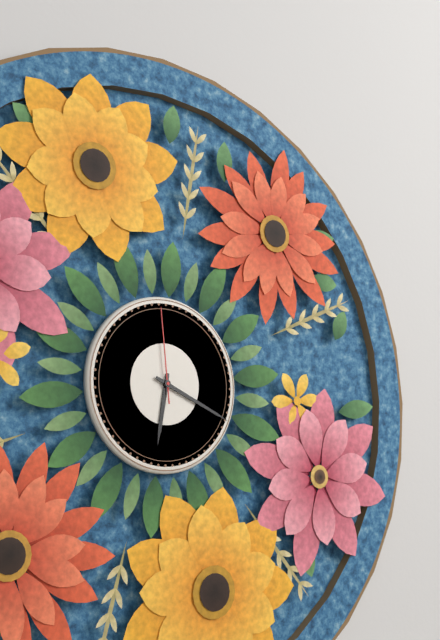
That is 6 h 19 min 59 s
